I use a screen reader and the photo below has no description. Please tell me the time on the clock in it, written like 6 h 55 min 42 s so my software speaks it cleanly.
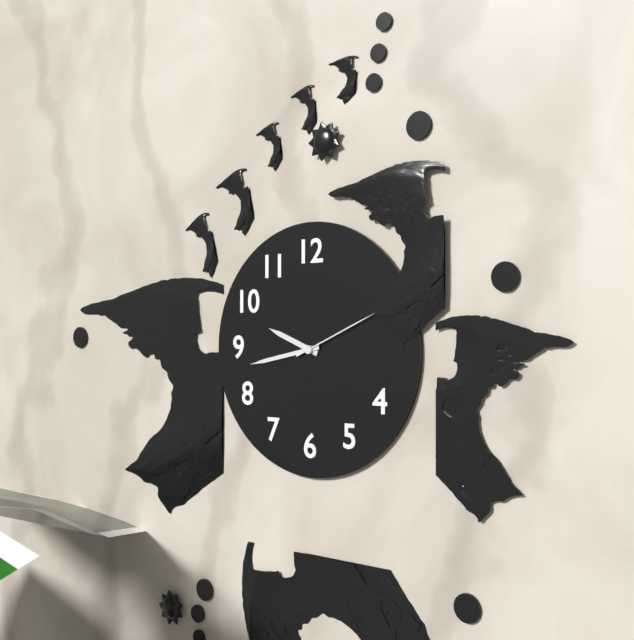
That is 9 h 43 min 11 s
